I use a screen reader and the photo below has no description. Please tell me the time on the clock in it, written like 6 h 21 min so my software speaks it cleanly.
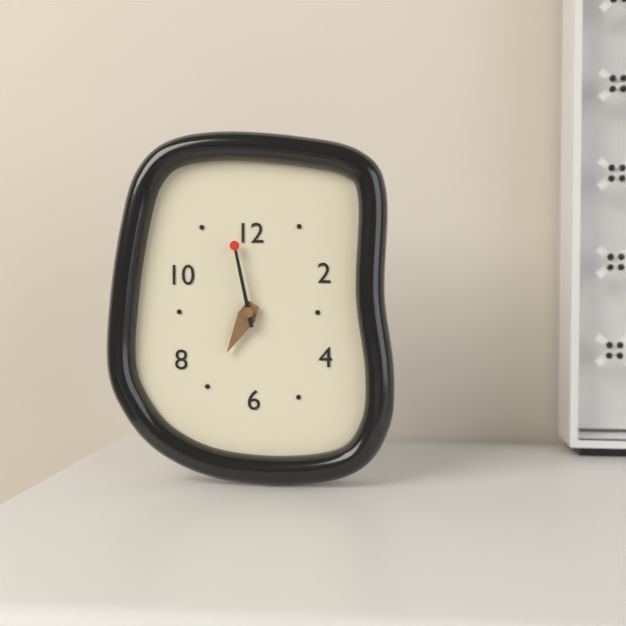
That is 6 h 58 min
